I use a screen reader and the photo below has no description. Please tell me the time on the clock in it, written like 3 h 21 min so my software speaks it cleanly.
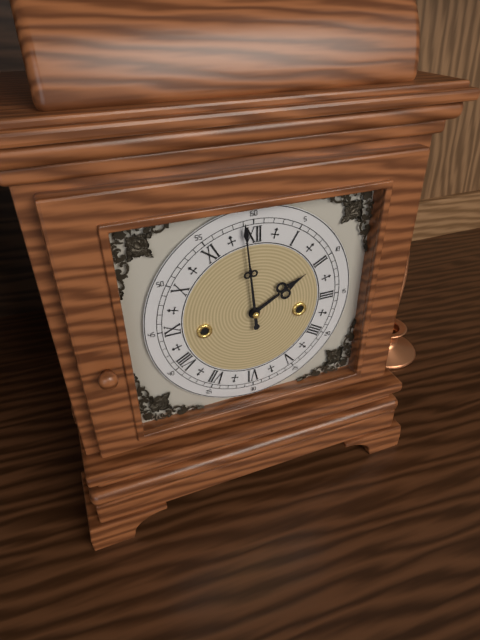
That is 1 h 59 min
